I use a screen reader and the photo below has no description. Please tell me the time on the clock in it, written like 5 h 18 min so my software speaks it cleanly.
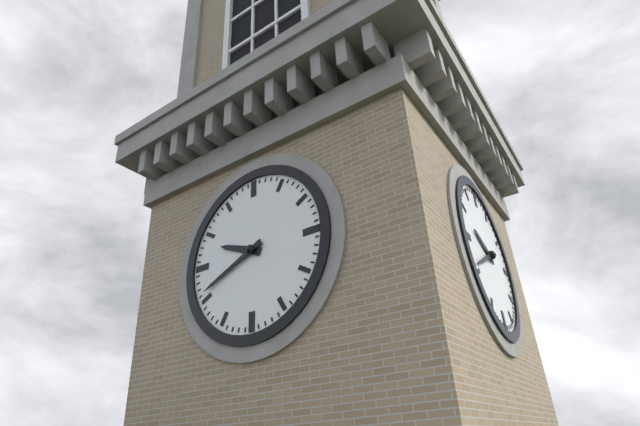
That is 9 h 41 min
